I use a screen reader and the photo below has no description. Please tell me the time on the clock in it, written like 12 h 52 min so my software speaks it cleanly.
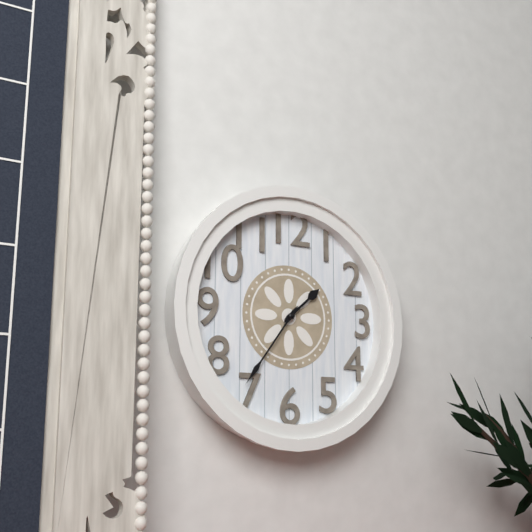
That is 1 h 36 min
